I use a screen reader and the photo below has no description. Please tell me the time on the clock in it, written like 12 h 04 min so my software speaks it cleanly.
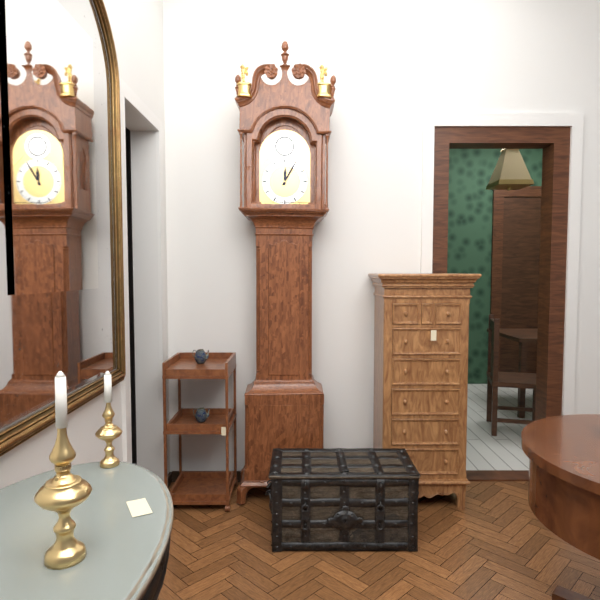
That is 12 h 05 min
